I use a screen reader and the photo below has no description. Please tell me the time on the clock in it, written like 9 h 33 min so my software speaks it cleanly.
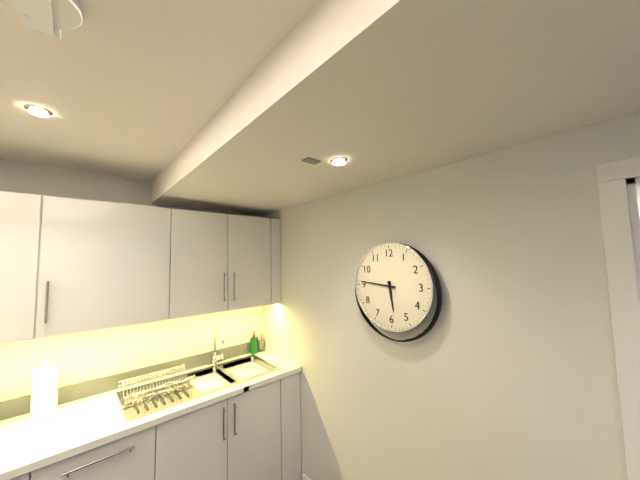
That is 5 h 46 min
